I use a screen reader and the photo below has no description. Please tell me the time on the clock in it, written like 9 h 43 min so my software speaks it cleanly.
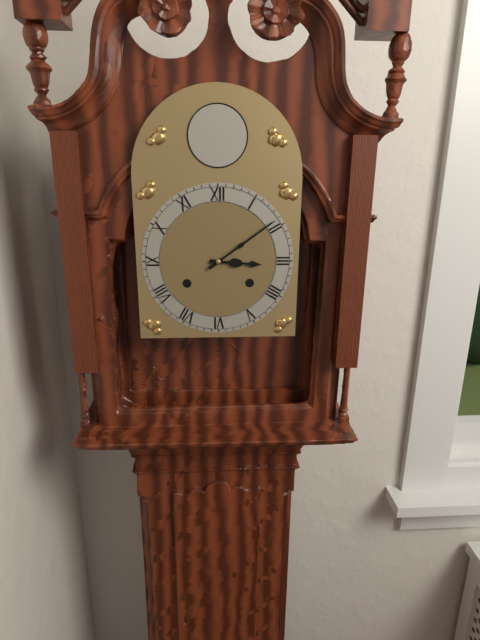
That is 3 h 09 min
